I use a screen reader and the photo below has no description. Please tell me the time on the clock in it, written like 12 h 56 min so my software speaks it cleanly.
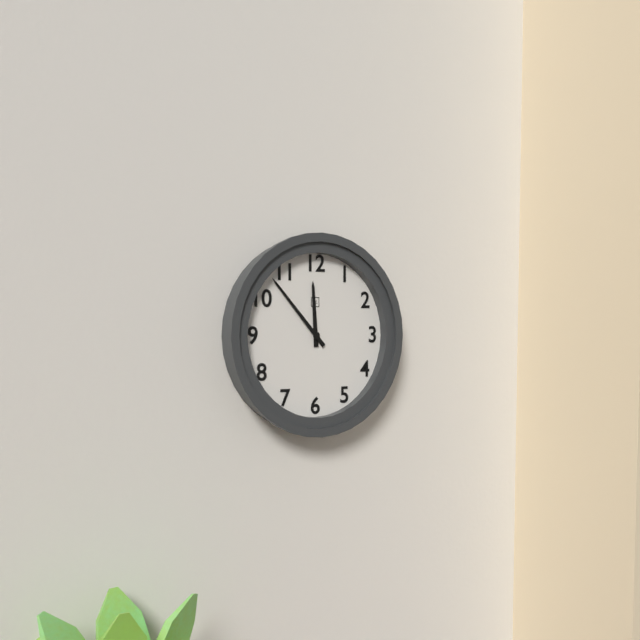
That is 11 h 53 min
